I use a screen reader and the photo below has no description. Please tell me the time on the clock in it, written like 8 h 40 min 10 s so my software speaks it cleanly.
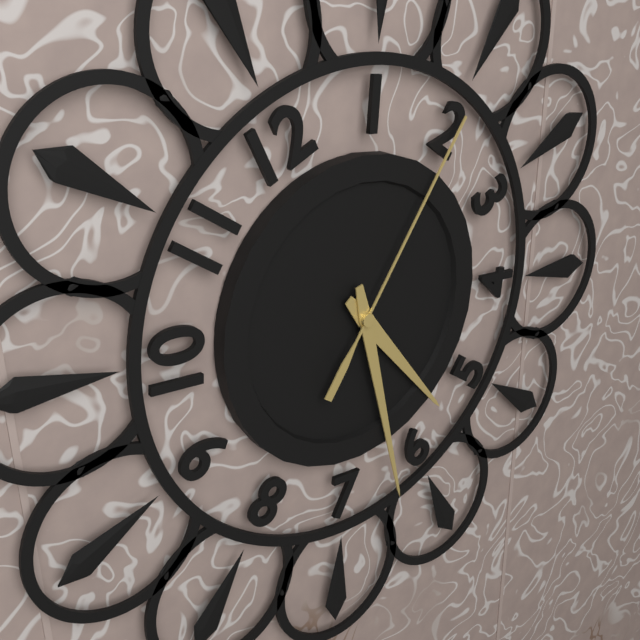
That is 5 h 32 min 10 s
